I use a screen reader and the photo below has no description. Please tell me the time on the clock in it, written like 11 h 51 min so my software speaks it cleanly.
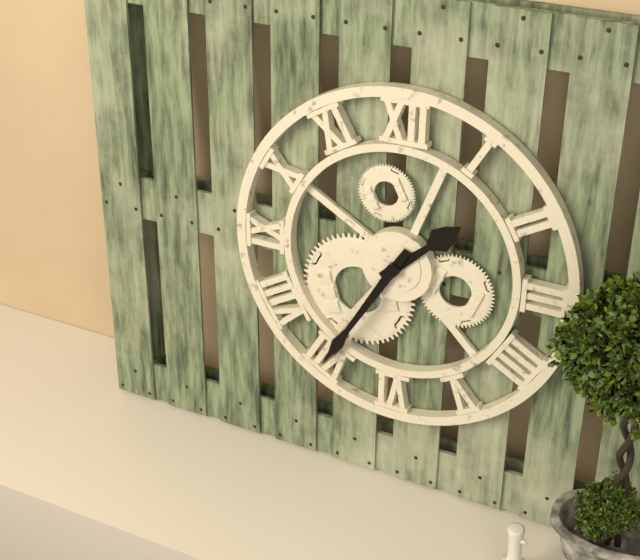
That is 1 h 35 min
